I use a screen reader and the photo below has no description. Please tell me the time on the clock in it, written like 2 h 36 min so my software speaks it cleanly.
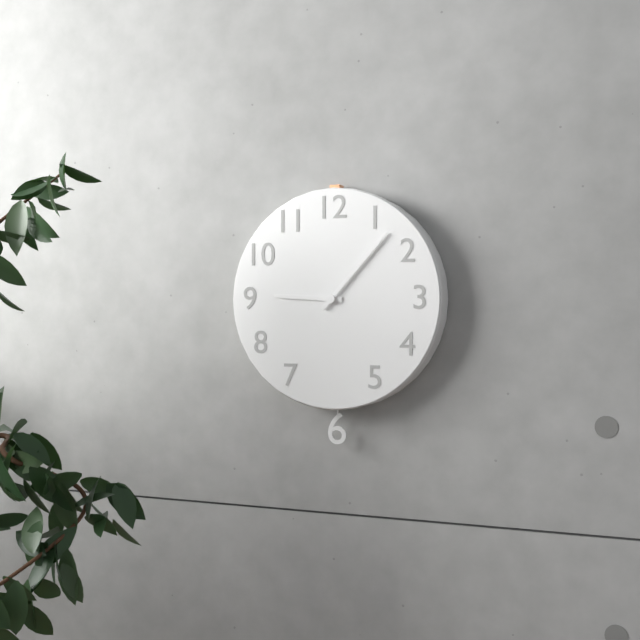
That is 9 h 07 min
